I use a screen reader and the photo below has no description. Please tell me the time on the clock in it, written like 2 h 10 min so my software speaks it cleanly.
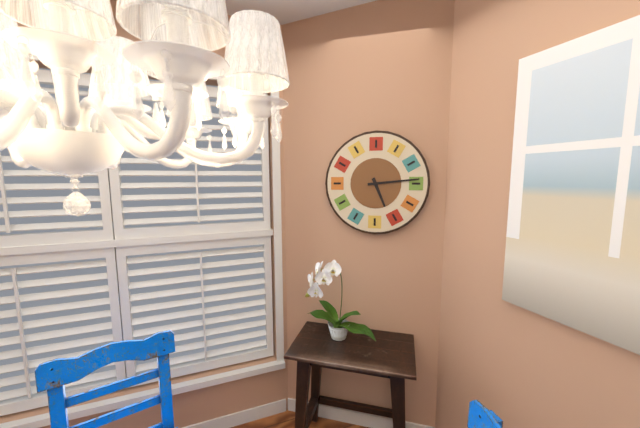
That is 5 h 14 min
